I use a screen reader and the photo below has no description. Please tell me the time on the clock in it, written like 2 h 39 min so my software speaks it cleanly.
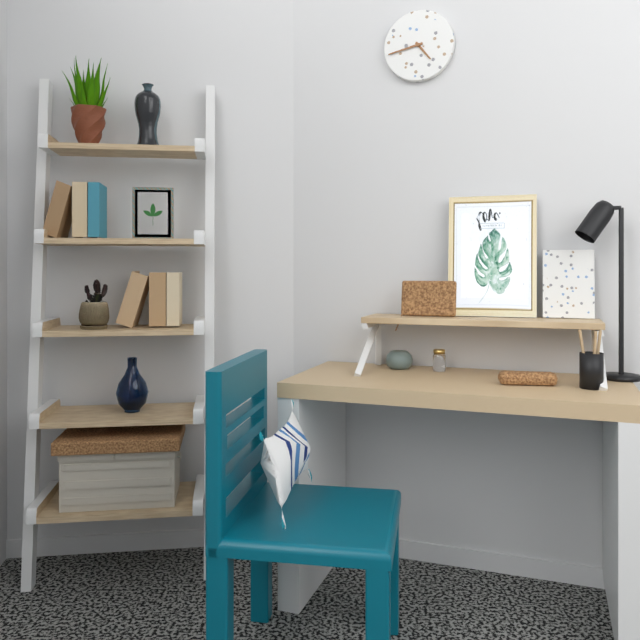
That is 4 h 43 min
